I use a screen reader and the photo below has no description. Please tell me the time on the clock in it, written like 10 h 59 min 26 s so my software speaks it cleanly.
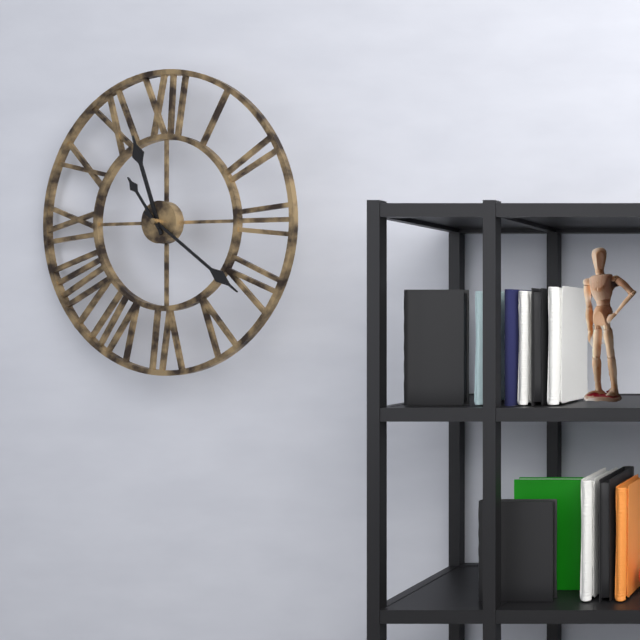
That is 11 h 21 min 54 s
